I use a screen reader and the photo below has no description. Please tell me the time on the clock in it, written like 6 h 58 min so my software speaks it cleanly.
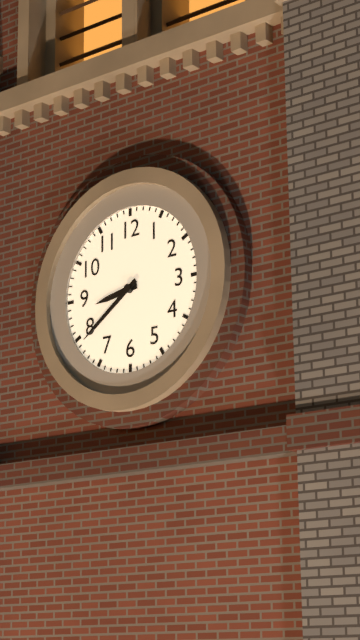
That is 8 h 39 min
